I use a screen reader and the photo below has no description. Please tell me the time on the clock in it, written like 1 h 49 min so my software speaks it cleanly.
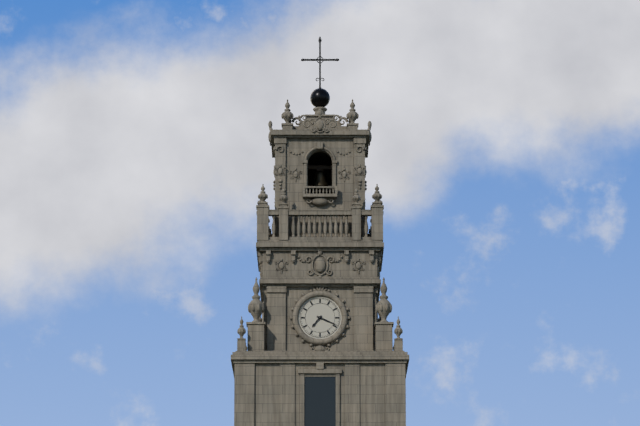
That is 7 h 19 min
